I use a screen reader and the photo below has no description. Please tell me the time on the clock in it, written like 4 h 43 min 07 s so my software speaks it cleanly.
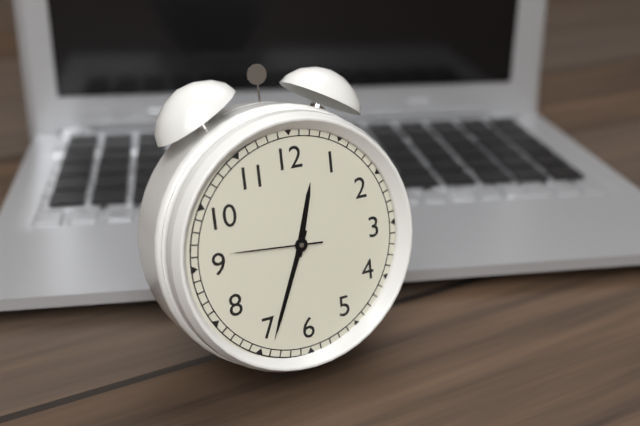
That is 12 h 34 min 46 s
